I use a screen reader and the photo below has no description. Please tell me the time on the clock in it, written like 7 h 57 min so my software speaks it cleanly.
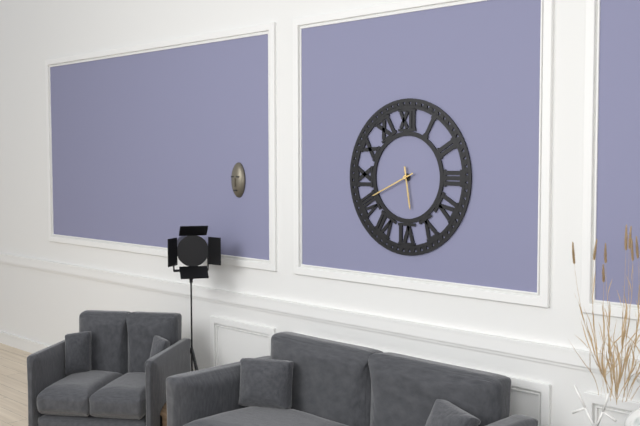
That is 5 h 41 min
